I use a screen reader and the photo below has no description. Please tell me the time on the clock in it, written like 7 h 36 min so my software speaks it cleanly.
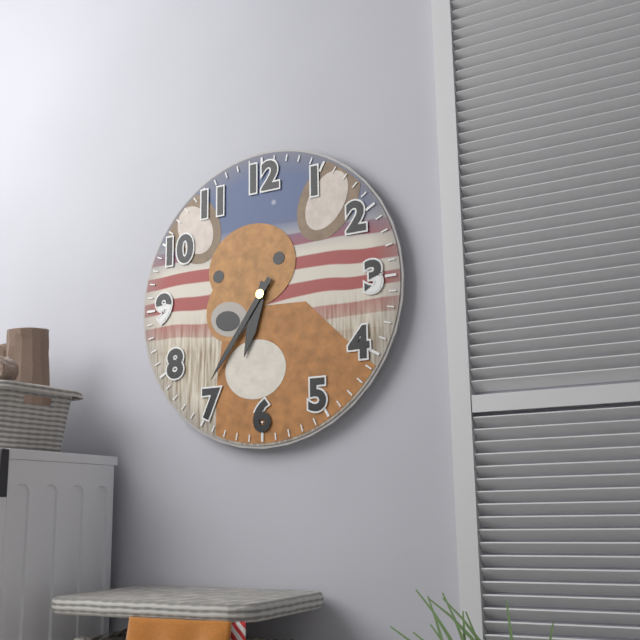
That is 6 h 36 min
